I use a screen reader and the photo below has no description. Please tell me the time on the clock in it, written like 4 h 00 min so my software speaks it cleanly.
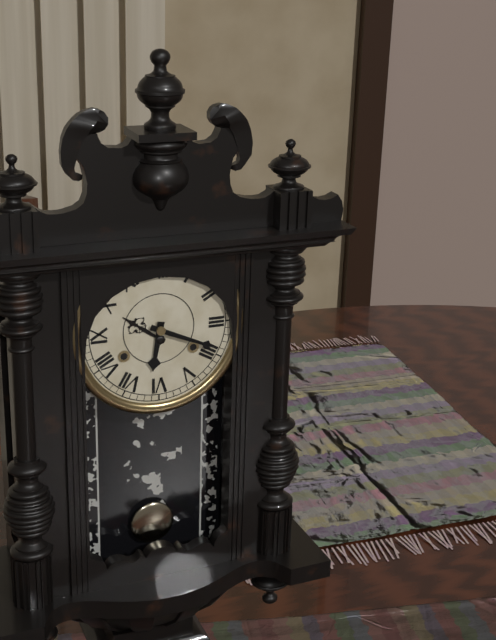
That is 6 h 19 min
